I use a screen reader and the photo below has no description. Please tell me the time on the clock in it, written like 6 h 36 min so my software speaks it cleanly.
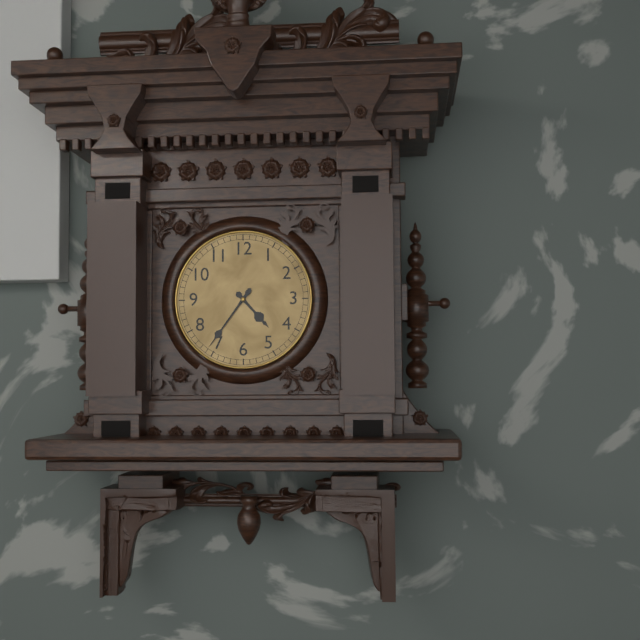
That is 4 h 36 min
